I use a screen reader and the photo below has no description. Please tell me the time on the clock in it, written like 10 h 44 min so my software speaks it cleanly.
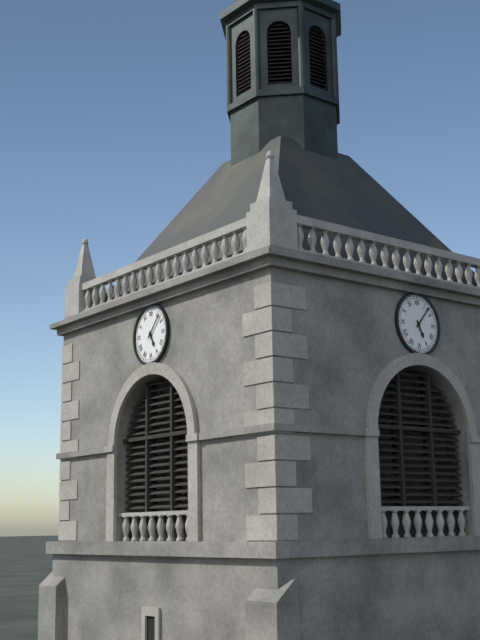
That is 5 h 07 min
